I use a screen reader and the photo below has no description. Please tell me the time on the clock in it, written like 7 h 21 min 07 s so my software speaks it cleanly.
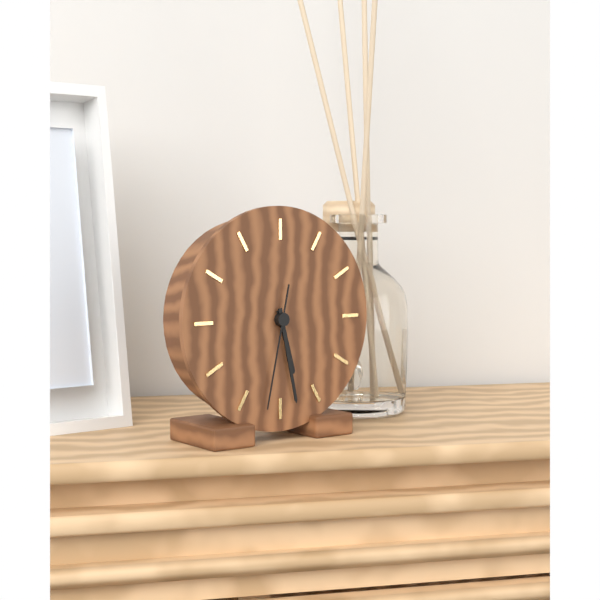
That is 5 h 28 min 32 s
